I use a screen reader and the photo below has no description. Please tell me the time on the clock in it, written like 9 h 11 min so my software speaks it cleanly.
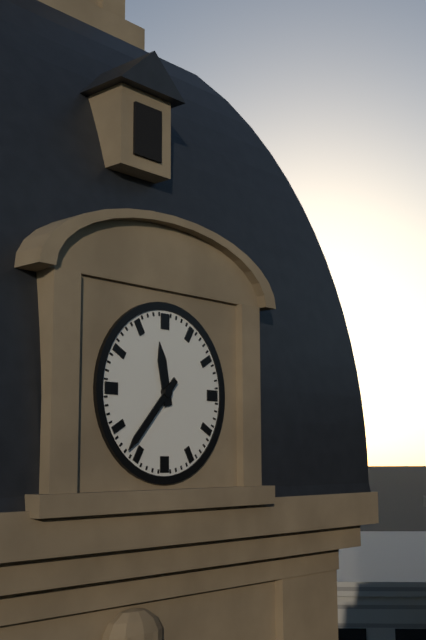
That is 11 h 37 min
